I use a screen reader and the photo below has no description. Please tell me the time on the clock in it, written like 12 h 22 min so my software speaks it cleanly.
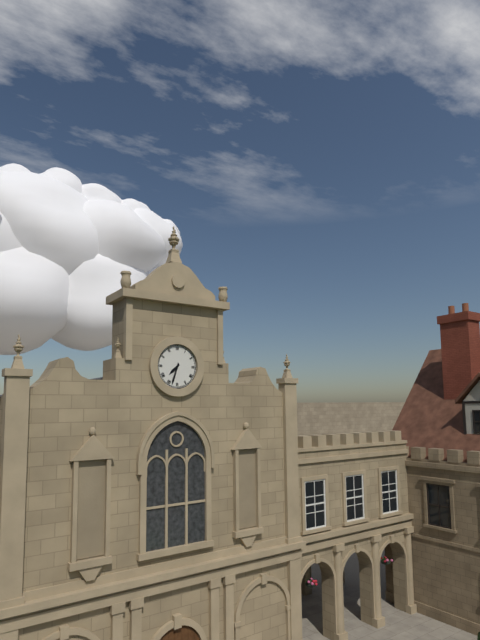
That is 7 h 33 min
